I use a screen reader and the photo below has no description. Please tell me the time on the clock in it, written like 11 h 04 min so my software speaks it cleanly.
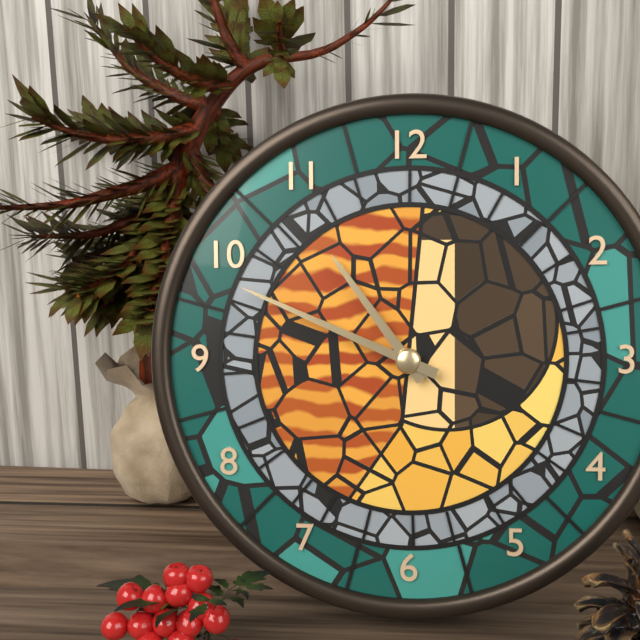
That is 10 h 49 min
